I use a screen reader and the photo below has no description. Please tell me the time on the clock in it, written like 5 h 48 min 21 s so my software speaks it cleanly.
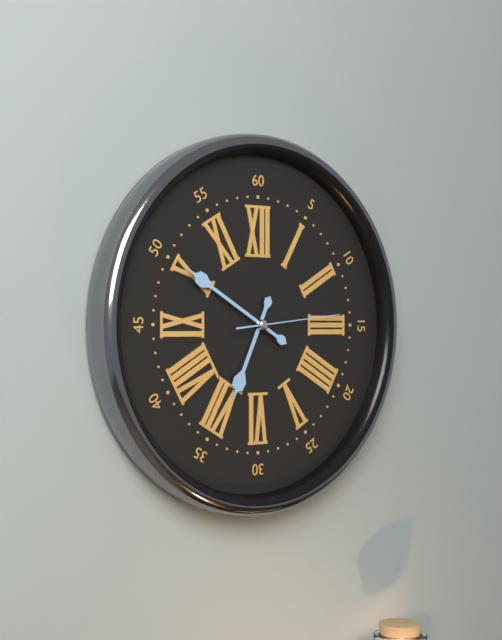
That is 6 h 50 min 14 s
